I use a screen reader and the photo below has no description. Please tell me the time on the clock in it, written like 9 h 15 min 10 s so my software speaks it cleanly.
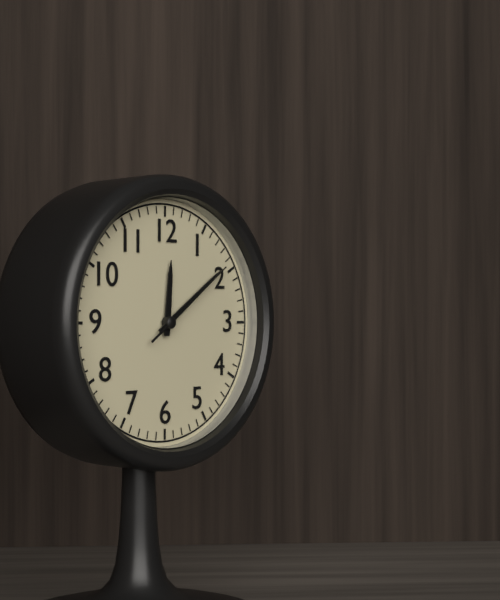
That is 12 h 09 min 09 s
